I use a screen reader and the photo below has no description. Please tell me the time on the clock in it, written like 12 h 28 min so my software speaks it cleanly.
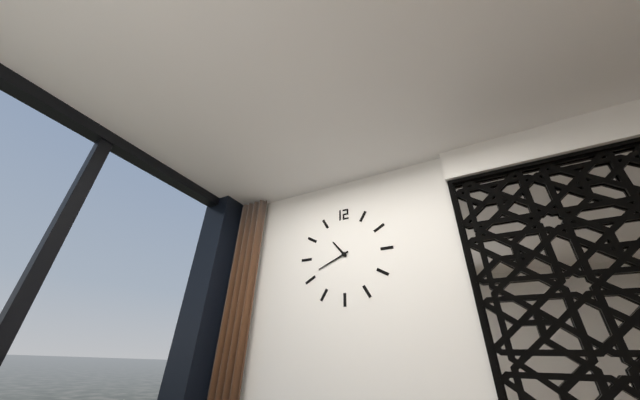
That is 10 h 41 min
